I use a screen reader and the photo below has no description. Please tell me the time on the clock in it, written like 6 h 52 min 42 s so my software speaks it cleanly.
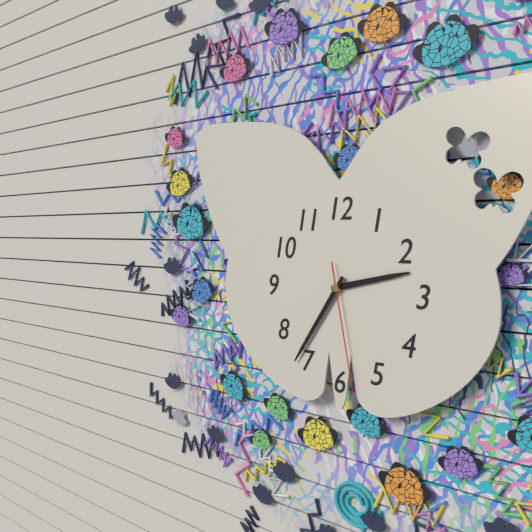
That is 2 h 36 min 28 s
